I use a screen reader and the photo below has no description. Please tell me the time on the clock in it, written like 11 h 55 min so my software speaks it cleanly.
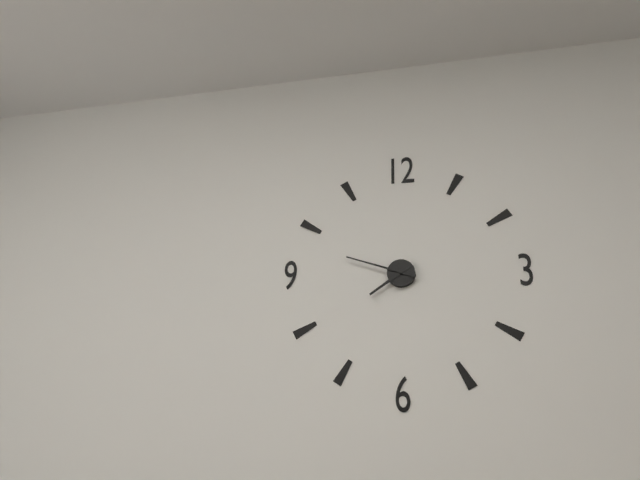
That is 7 h 48 min
